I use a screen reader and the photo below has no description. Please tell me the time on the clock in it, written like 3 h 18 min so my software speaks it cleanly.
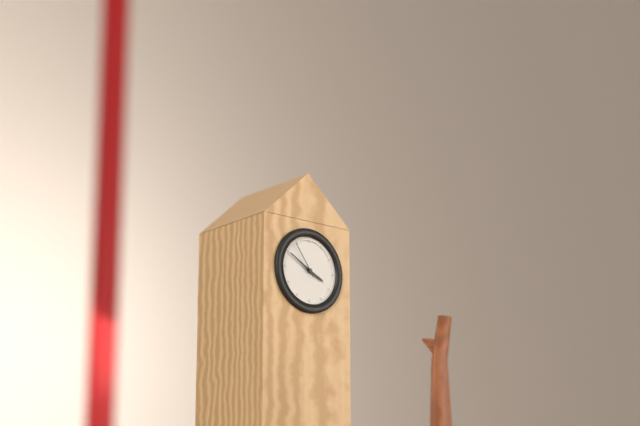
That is 3 h 50 min
